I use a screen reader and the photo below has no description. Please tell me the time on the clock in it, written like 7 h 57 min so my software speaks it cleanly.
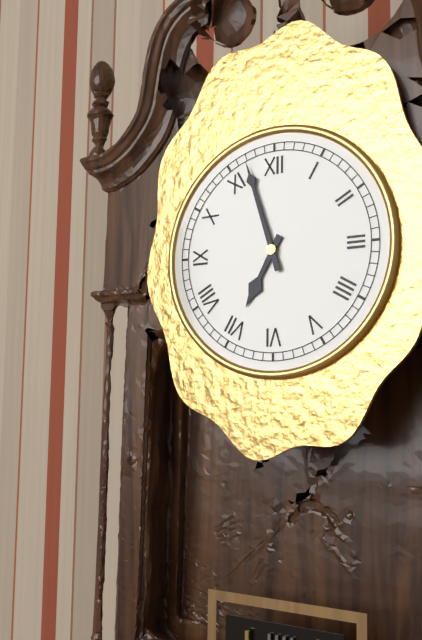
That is 6 h 57 min
